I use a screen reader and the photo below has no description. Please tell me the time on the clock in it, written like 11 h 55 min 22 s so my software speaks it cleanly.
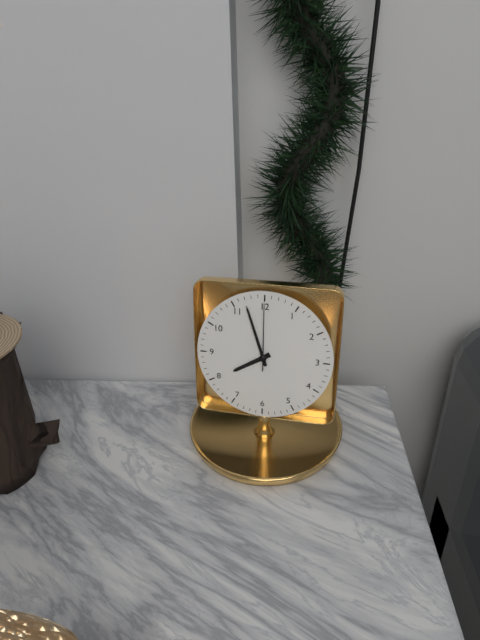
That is 7 h 57 min 00 s
